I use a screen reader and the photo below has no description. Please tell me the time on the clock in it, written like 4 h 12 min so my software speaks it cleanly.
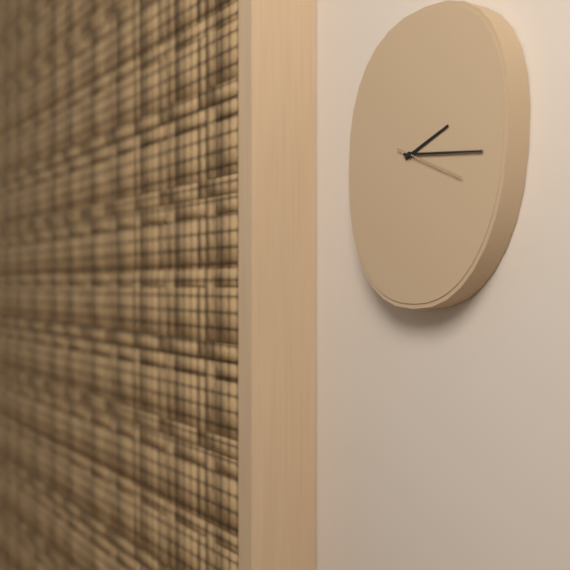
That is 2 h 16 min
